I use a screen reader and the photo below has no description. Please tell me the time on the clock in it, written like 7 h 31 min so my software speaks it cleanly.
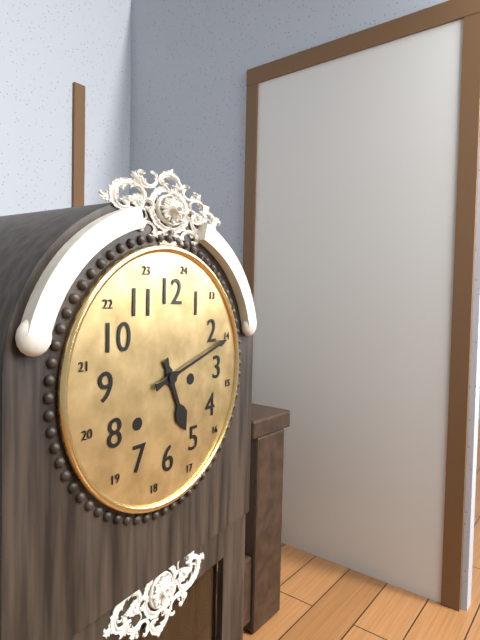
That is 5 h 12 min
